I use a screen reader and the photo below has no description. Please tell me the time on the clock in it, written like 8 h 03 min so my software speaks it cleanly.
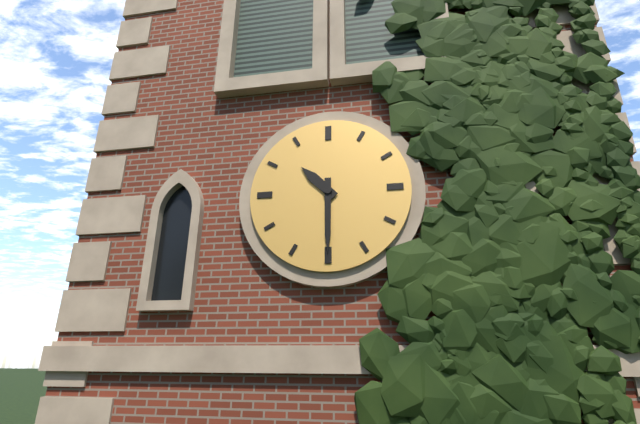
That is 10 h 30 min
